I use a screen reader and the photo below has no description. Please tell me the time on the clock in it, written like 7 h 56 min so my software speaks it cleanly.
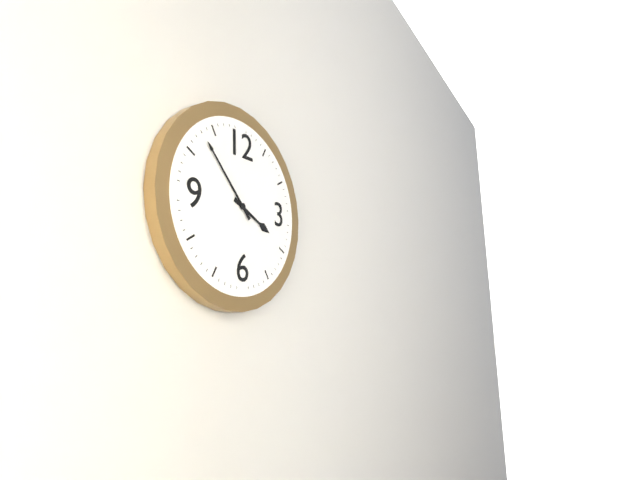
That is 3 h 53 min
